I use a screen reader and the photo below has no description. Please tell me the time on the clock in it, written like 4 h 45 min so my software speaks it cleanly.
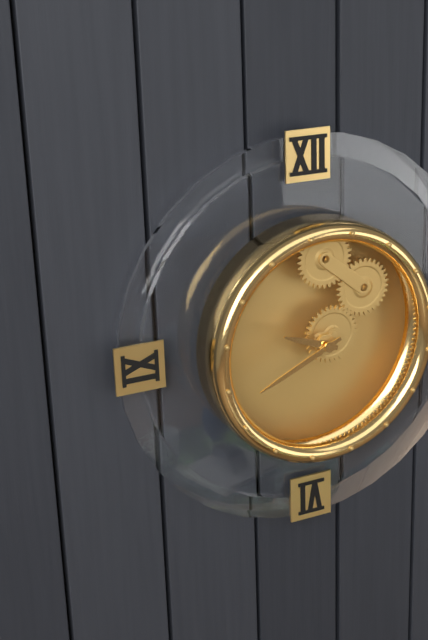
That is 9 h 41 min
